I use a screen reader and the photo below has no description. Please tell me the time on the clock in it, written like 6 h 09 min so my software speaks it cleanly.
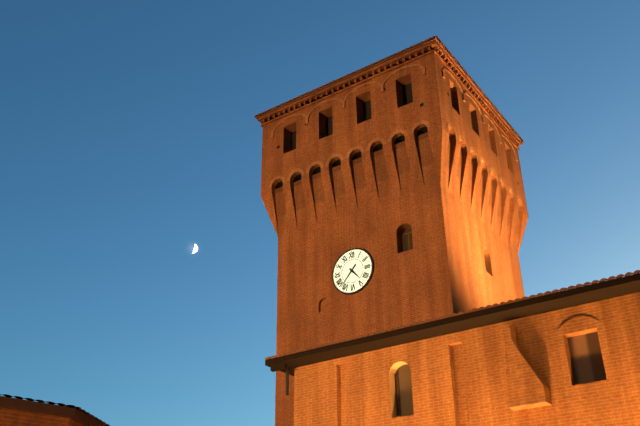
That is 4 h 37 min
